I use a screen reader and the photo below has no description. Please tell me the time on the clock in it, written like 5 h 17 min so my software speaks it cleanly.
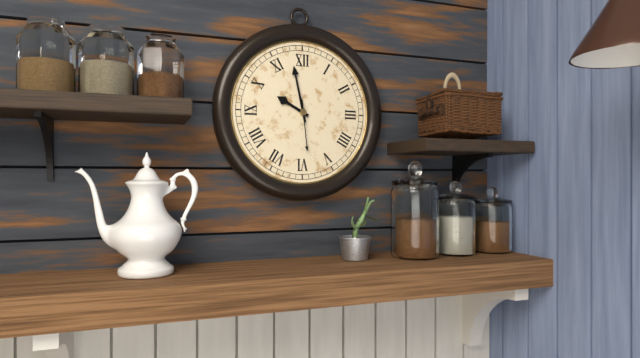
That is 9 h 58 min
